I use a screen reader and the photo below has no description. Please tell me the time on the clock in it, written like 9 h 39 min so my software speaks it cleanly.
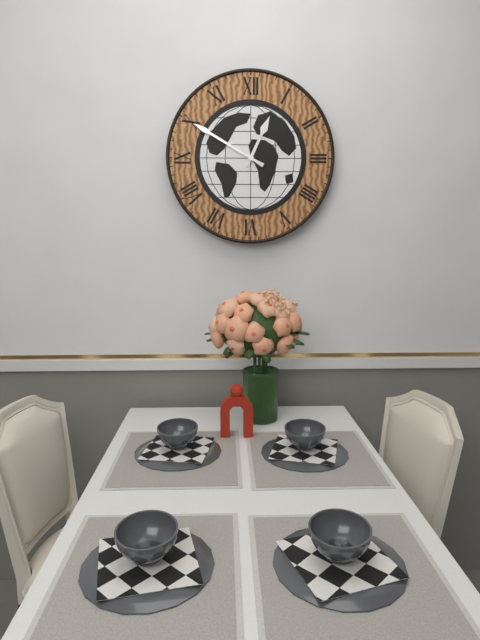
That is 12 h 50 min
